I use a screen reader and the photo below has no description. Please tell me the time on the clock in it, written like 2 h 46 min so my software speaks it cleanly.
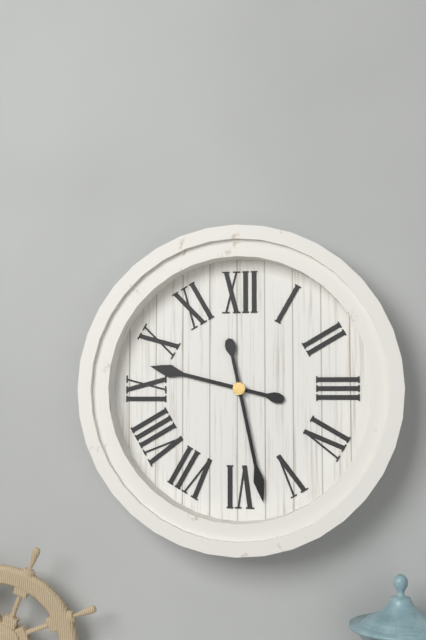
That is 9 h 28 min
